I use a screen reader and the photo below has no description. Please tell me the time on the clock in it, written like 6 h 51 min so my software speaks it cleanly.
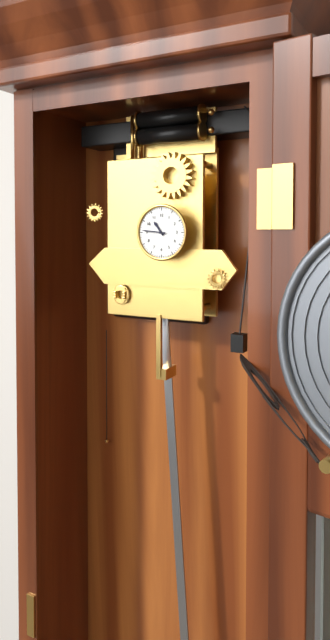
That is 10 h 46 min
